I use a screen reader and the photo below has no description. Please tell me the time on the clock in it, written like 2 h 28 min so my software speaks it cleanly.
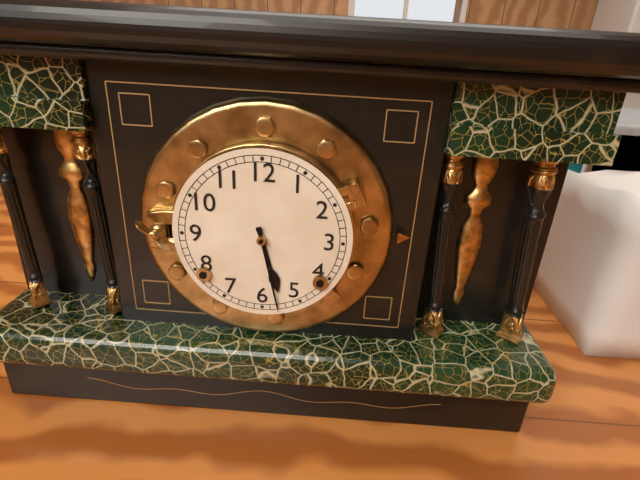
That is 5 h 28 min
